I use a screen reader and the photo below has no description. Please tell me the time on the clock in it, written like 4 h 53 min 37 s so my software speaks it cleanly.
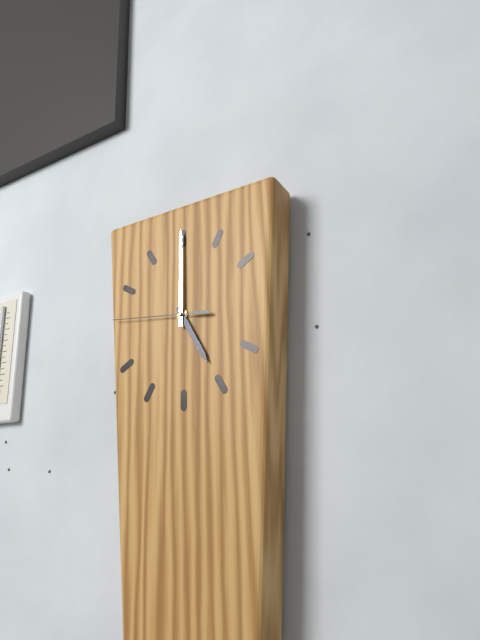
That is 5 h 00 min 46 s
